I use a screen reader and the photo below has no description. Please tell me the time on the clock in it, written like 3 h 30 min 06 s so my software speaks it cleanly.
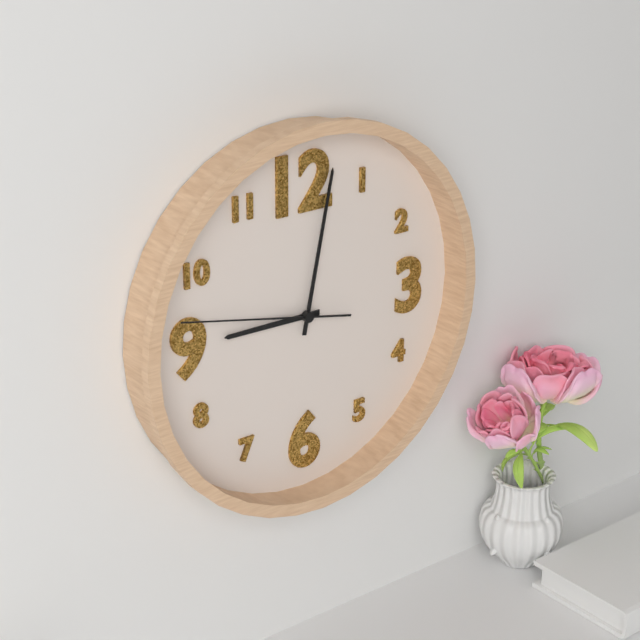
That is 9 h 02 min 47 s
